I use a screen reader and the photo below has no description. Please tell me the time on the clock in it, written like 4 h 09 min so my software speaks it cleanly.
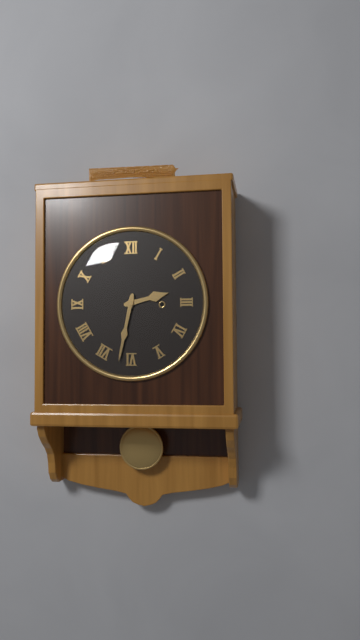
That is 2 h 32 min
